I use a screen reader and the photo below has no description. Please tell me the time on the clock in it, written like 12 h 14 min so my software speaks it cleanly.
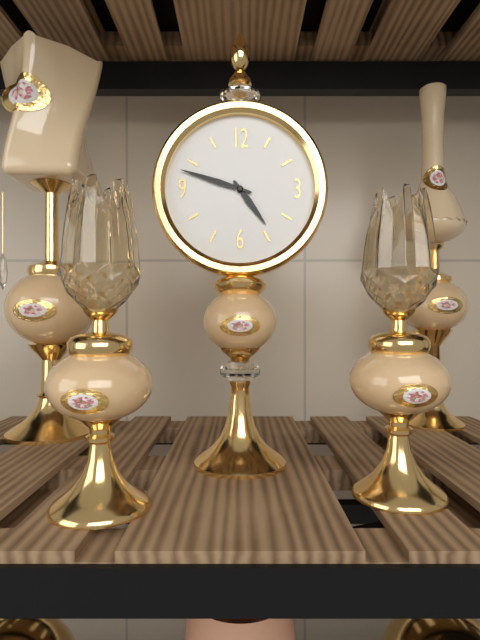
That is 4 h 48 min
